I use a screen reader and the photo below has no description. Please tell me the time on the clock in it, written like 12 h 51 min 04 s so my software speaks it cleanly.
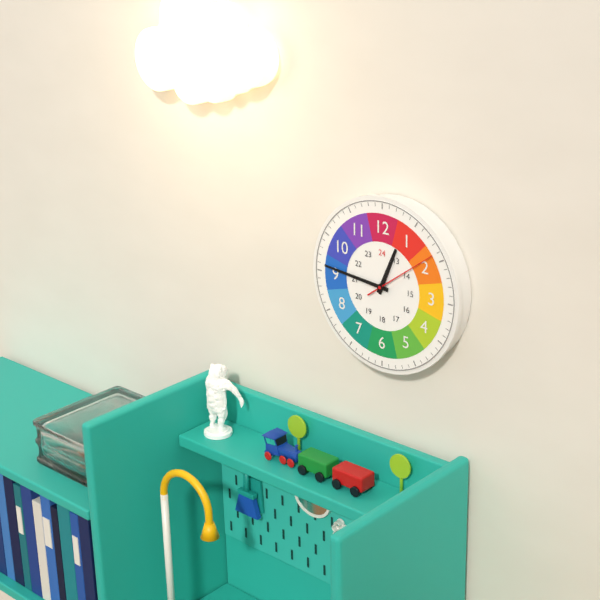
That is 12 h 46 min 09 s
